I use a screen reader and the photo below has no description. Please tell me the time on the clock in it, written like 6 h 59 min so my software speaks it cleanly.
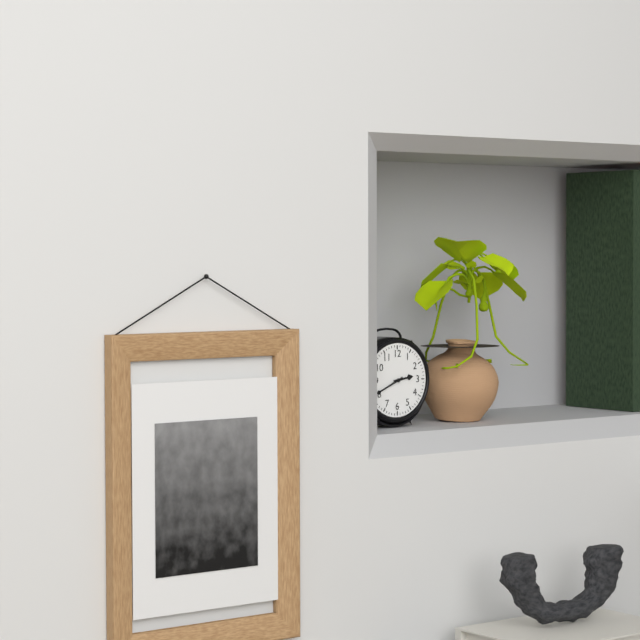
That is 2 h 41 min
